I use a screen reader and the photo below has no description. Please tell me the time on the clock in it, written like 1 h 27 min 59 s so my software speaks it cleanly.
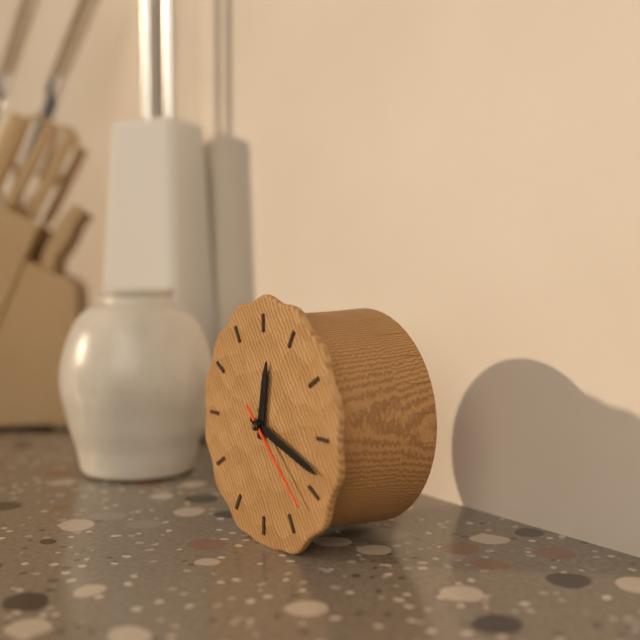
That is 12 h 18 min 22 s
